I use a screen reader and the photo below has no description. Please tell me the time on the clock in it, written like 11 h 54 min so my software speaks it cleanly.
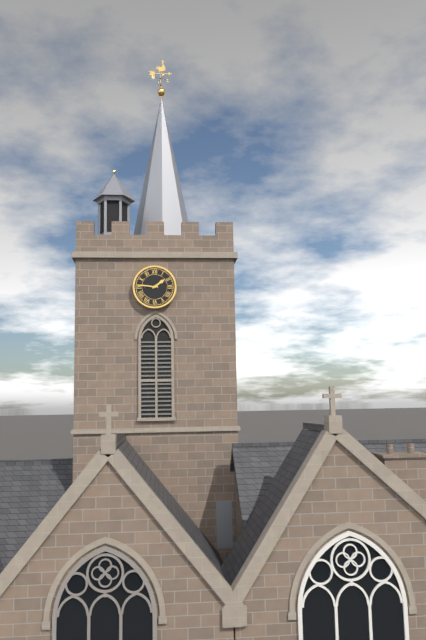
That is 1 h 46 min
